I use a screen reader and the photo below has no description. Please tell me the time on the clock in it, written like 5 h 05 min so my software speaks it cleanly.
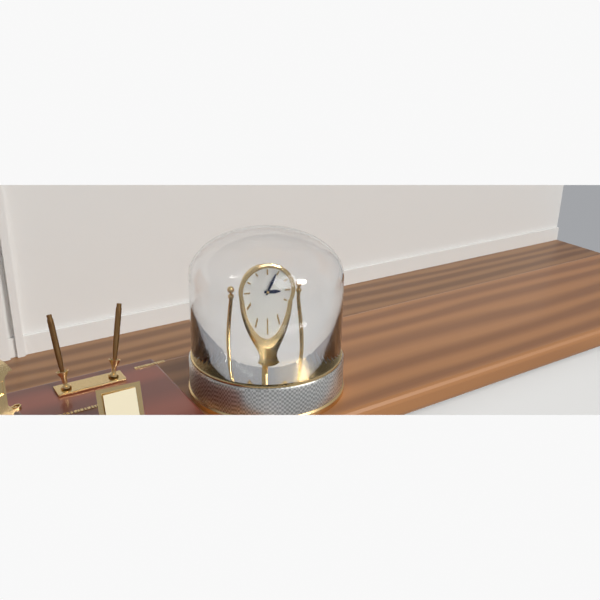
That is 3 h 04 min
